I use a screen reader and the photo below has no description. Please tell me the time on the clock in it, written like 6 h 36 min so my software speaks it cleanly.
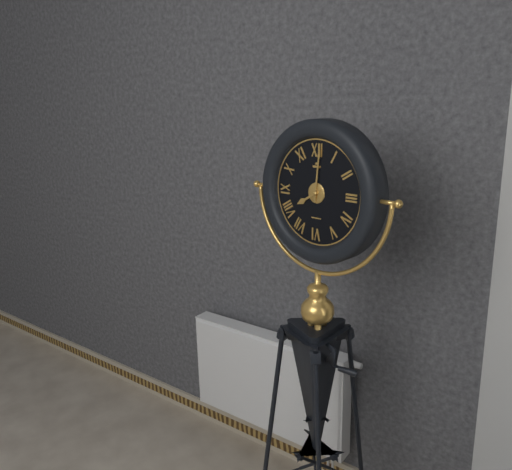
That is 8 h 01 min
